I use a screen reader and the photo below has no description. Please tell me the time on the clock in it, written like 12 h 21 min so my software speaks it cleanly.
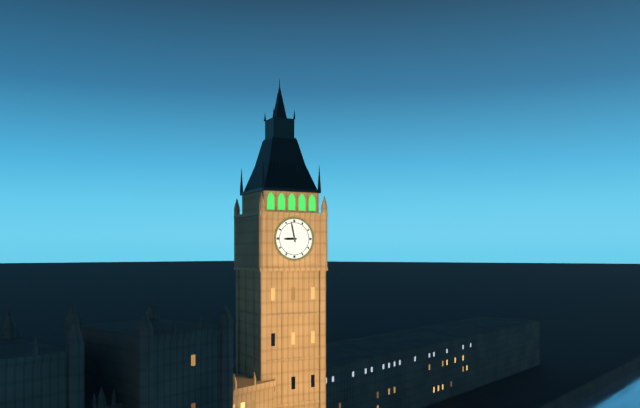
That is 8 h 58 min
